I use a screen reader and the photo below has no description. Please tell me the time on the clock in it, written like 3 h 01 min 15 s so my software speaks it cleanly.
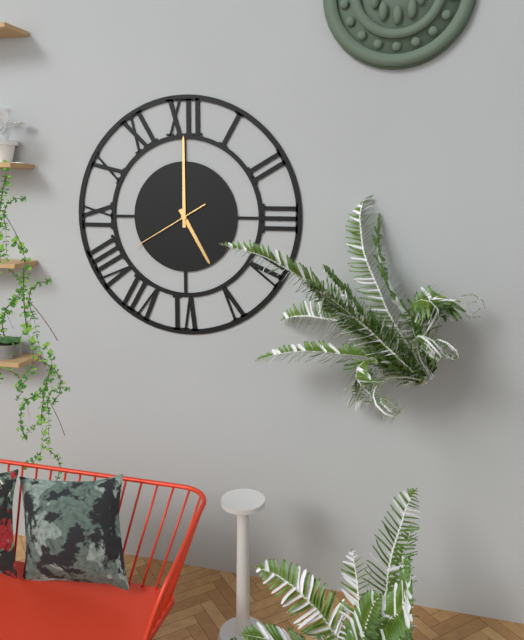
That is 5 h 00 min 40 s
